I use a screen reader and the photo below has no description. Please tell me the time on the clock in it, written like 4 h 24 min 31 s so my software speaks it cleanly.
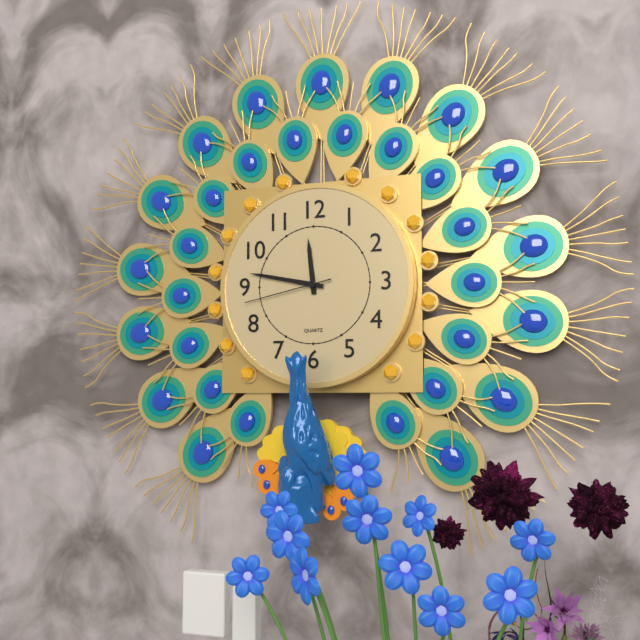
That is 11 h 47 min 43 s
